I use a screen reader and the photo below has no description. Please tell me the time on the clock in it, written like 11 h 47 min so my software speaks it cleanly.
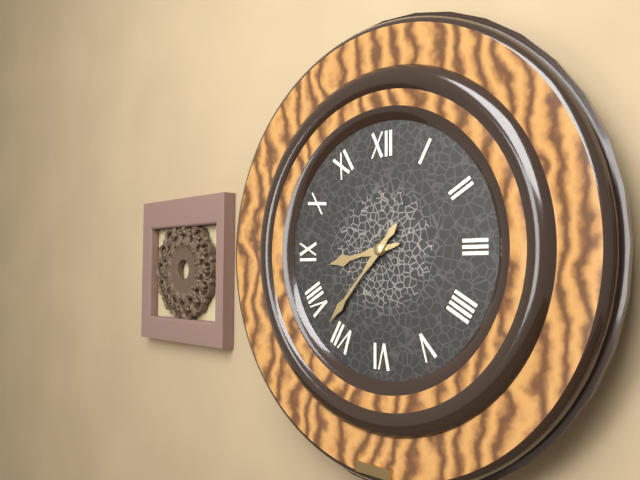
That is 8 h 37 min
